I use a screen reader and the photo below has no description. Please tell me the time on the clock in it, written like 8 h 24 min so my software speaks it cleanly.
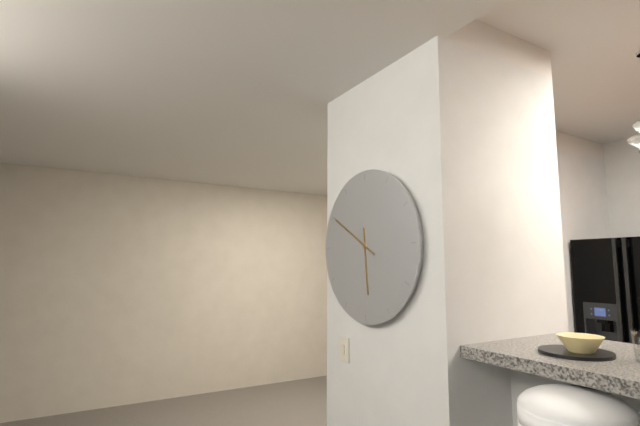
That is 5 h 50 min
